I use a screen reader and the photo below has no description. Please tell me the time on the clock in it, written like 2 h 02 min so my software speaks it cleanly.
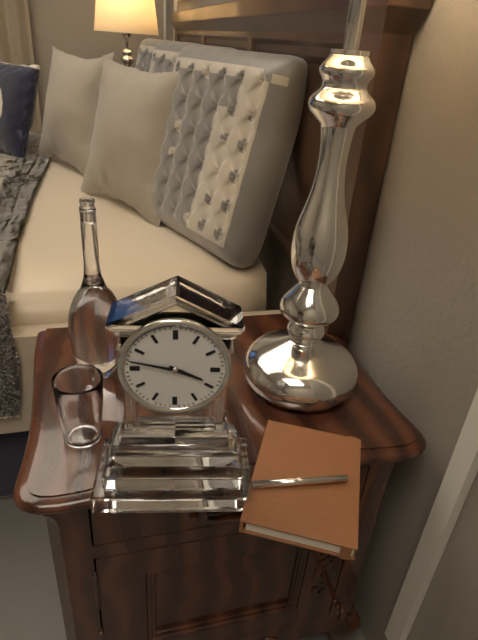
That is 3 h 47 min
